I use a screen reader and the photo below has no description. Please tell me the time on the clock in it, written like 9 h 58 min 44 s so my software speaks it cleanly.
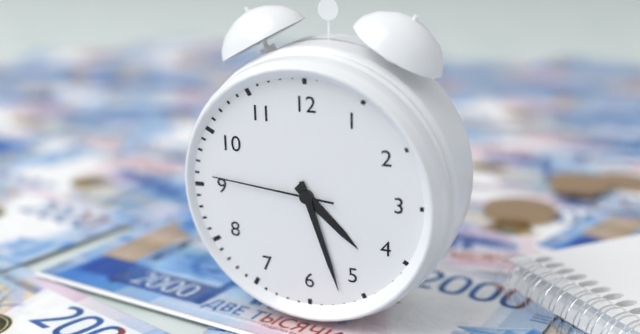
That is 4 h 27 min 46 s
